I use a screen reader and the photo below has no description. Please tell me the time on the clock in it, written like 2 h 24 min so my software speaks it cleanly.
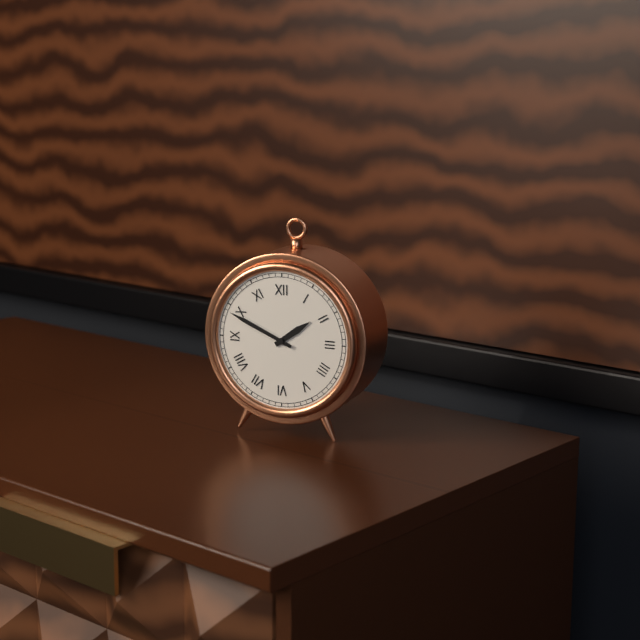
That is 1 h 49 min
